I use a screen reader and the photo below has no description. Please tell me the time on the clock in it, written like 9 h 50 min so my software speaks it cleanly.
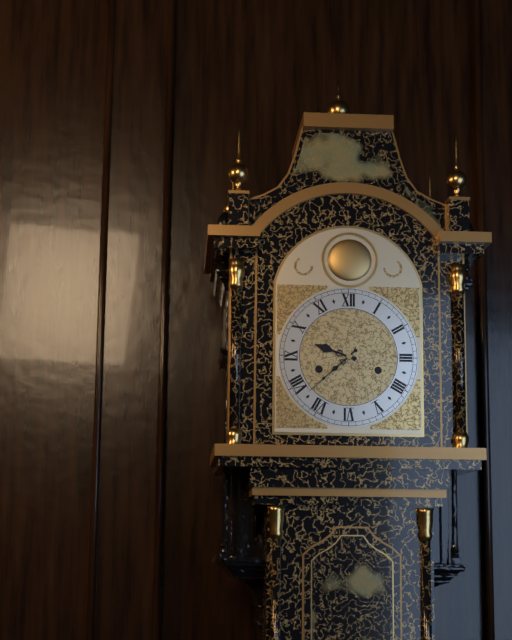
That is 9 h 38 min
